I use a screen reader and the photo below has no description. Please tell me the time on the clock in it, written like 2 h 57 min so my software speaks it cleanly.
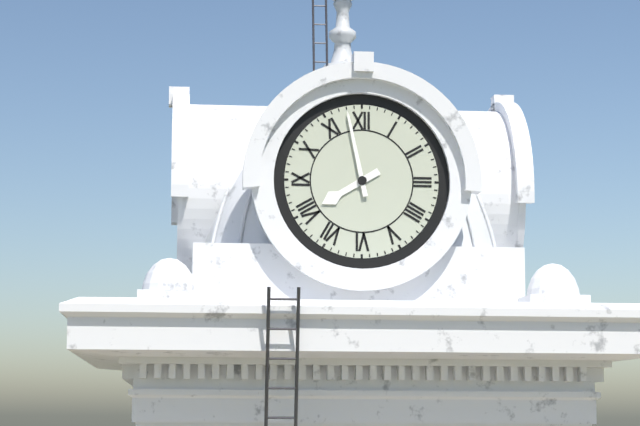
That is 7 h 58 min
